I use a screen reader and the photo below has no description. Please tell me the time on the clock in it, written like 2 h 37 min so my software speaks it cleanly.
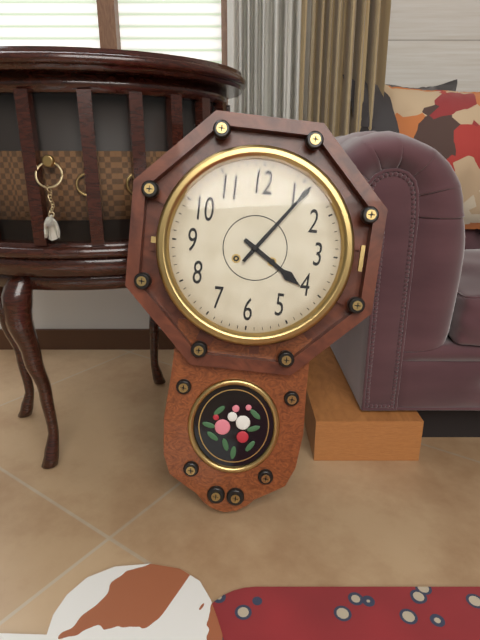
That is 4 h 06 min
